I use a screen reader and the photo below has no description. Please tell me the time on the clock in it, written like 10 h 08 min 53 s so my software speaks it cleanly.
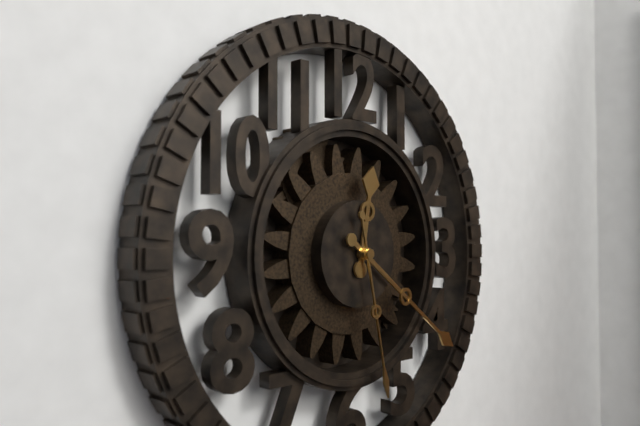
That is 12 h 21 min 28 s
